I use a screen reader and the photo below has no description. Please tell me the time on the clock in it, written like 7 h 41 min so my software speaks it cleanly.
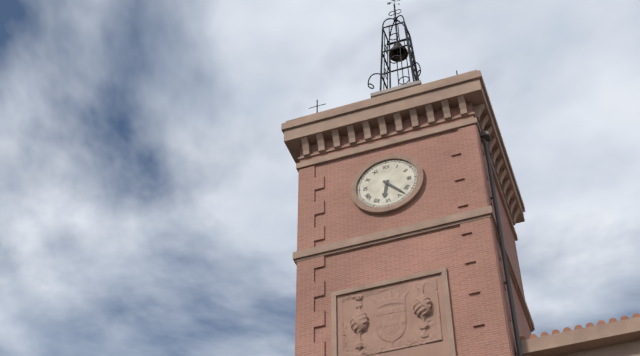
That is 6 h 23 min
